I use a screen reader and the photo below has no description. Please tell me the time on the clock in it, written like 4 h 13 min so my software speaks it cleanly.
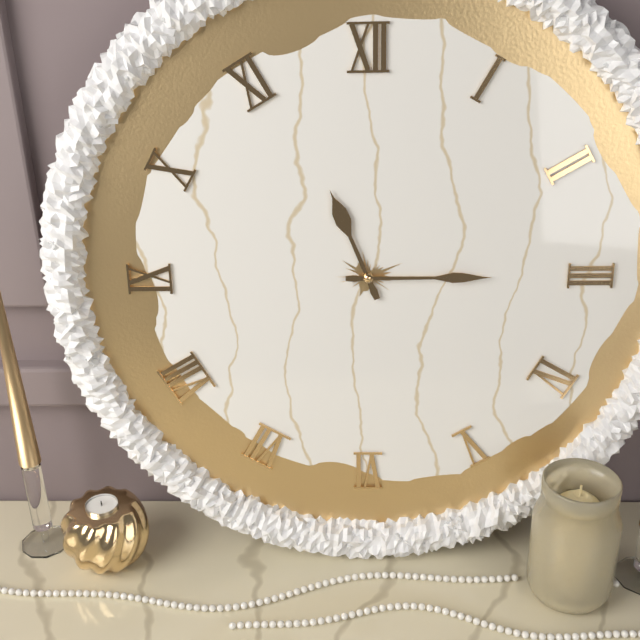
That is 11 h 15 min
